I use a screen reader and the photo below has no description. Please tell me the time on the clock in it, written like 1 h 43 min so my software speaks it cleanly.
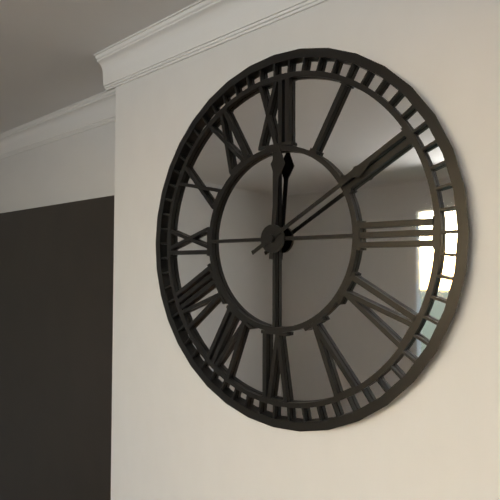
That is 12 h 10 min
